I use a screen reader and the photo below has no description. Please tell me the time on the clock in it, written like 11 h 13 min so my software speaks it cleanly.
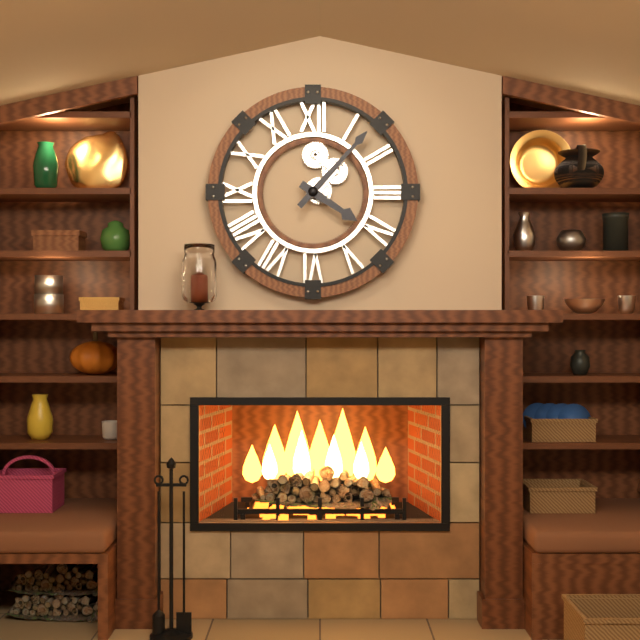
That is 4 h 07 min
